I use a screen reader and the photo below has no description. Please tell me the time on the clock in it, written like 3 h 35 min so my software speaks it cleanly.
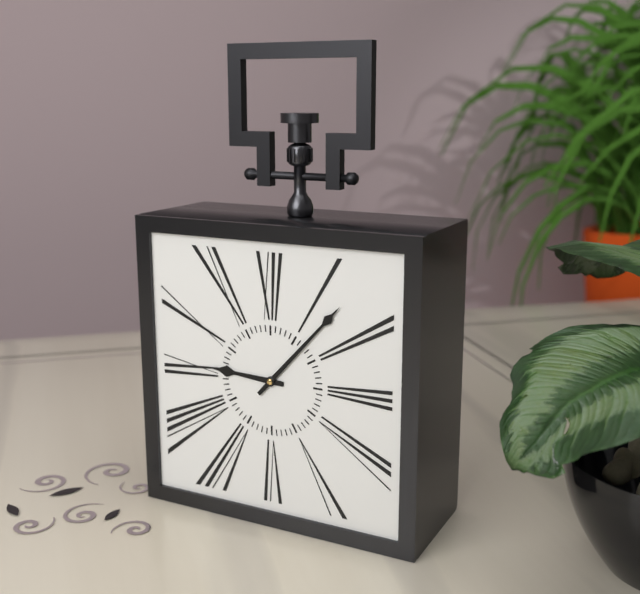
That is 9 h 07 min
